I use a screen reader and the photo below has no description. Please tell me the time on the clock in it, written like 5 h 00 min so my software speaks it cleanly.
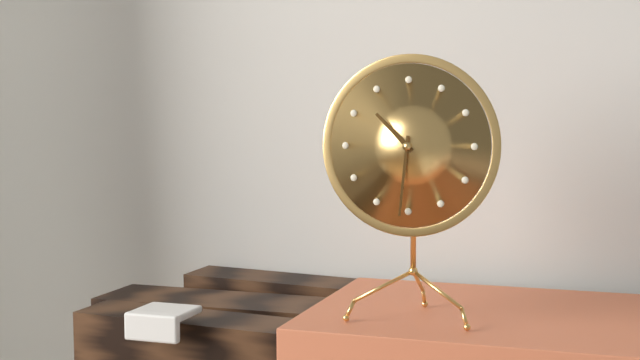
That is 10 h 31 min
